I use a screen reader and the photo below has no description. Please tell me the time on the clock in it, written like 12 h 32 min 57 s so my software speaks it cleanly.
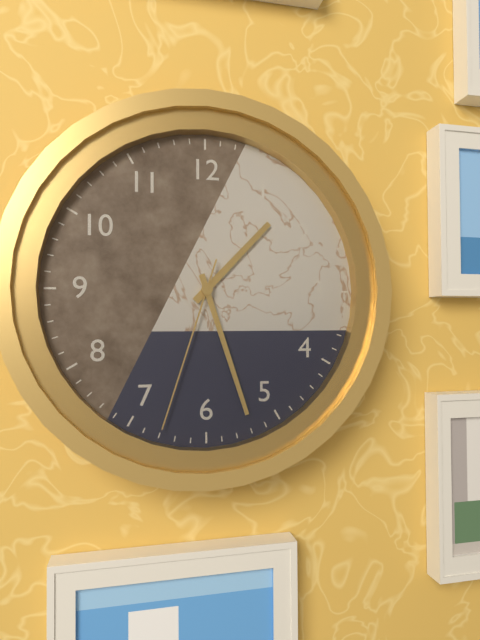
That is 1 h 27 min 33 s
